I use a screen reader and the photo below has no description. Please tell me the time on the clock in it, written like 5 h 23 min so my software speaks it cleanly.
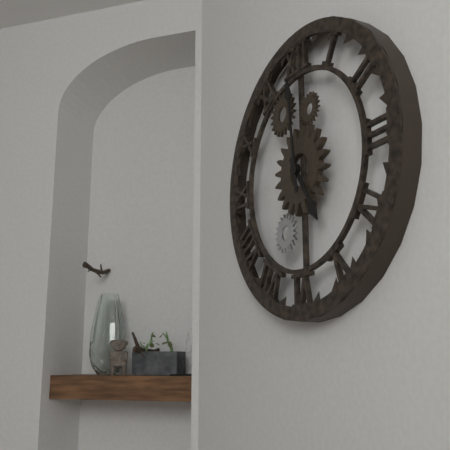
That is 4 h 59 min
